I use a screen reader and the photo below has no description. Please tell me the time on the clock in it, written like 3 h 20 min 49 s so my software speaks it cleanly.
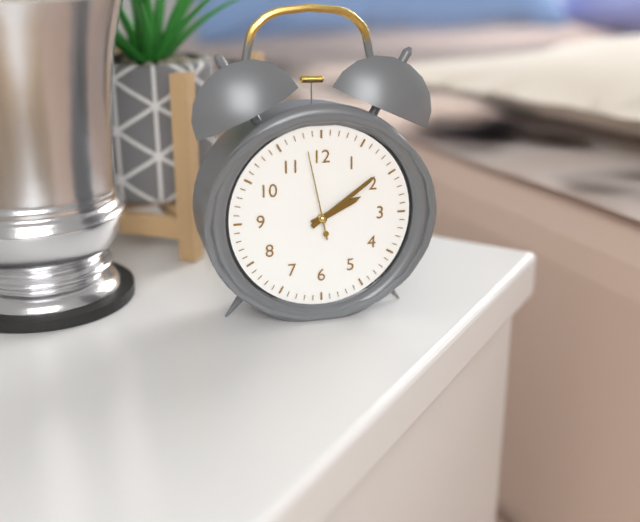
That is 2 h 09 min 58 s
